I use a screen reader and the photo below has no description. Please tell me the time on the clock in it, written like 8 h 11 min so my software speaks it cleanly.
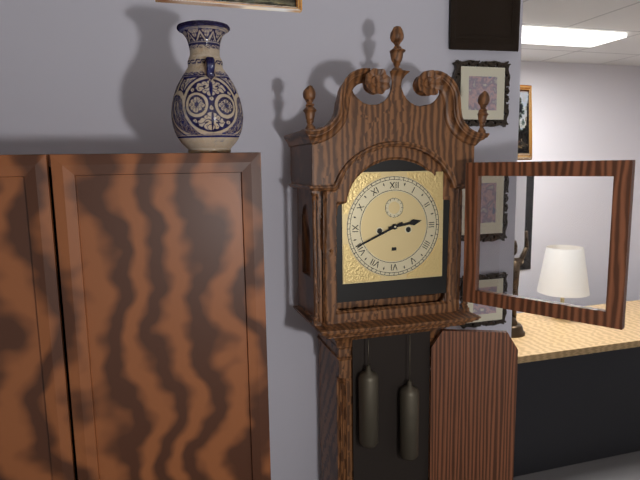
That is 2 h 41 min
